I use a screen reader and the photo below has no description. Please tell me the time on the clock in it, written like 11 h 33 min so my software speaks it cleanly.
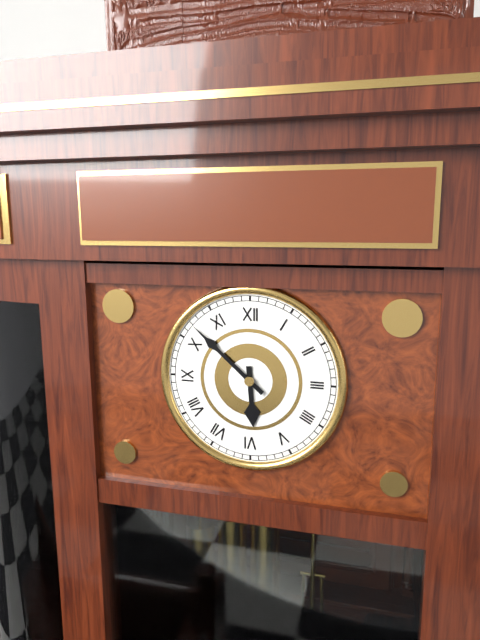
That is 5 h 52 min
